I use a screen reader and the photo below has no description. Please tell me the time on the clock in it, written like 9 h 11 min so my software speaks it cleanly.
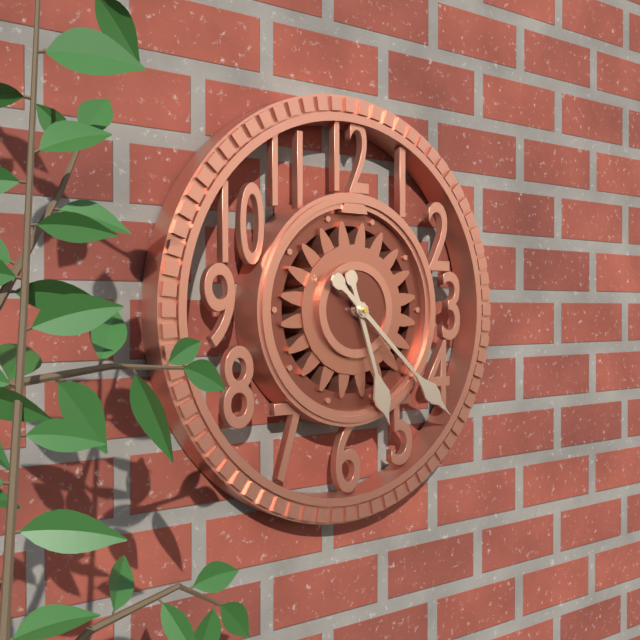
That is 5 h 22 min
